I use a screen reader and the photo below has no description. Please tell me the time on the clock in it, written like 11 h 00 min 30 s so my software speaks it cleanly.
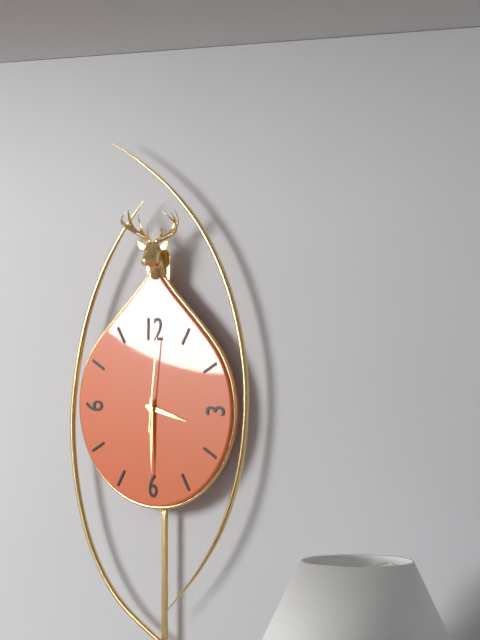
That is 3 h 30 min 01 s
